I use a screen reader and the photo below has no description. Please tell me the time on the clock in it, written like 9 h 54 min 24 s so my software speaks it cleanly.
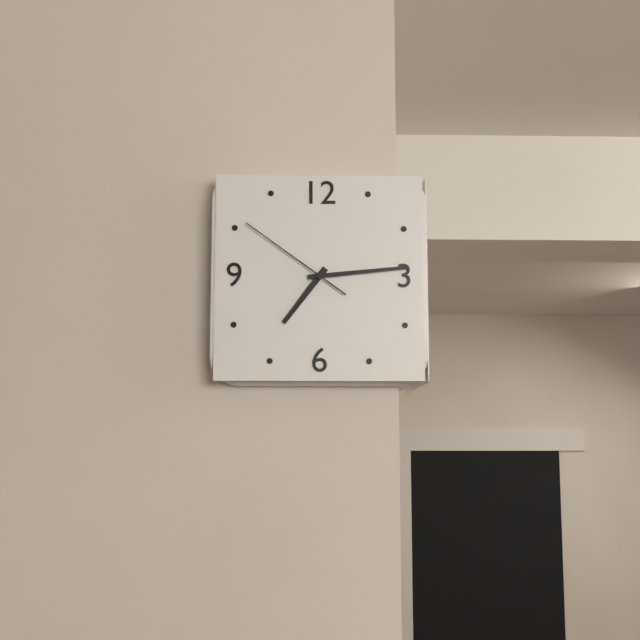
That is 7 h 14 min 51 s
